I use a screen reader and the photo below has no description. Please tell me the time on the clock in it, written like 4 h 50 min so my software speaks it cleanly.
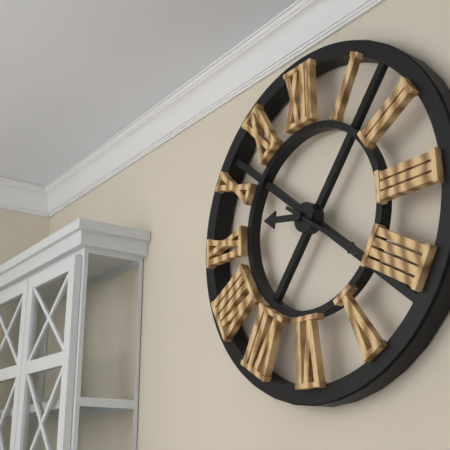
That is 9 h 21 min
